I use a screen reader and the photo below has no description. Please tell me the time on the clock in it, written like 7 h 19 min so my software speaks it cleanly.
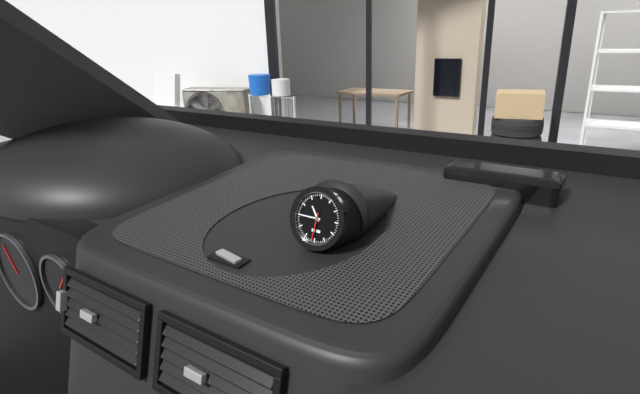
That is 10 h 45 min
